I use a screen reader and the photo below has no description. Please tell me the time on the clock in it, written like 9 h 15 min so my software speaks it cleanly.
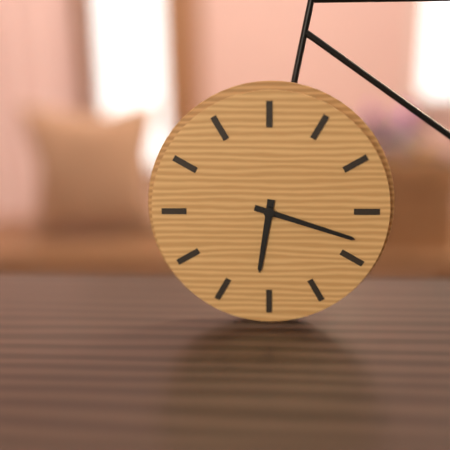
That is 6 h 18 min
